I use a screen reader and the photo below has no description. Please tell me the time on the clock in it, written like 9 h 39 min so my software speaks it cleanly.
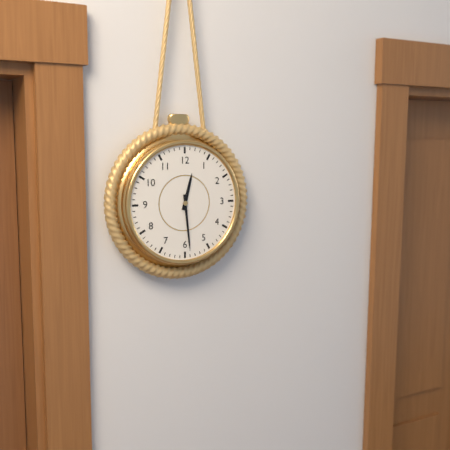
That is 12 h 29 min
